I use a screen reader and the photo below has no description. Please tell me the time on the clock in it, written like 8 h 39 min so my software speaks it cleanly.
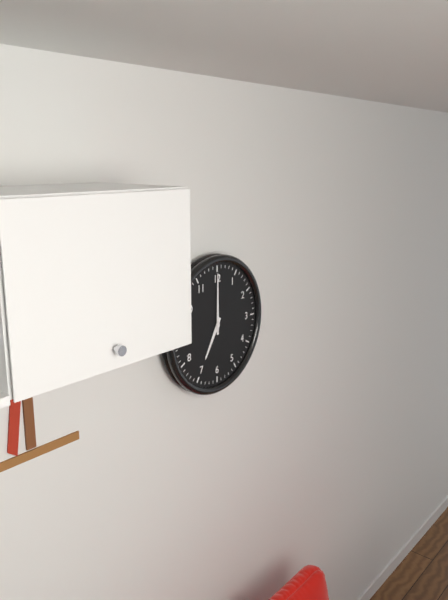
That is 7 h 00 min
